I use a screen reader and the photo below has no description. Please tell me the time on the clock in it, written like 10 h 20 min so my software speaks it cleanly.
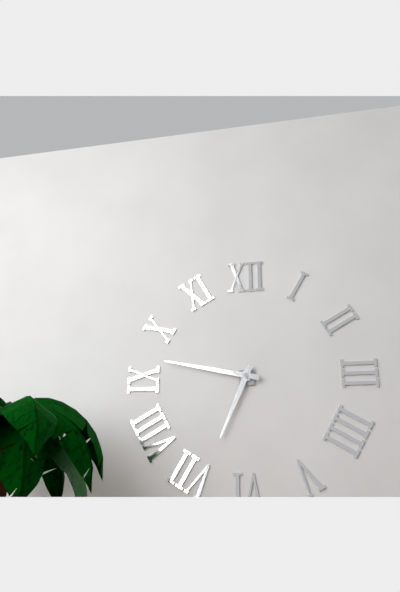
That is 6 h 47 min
